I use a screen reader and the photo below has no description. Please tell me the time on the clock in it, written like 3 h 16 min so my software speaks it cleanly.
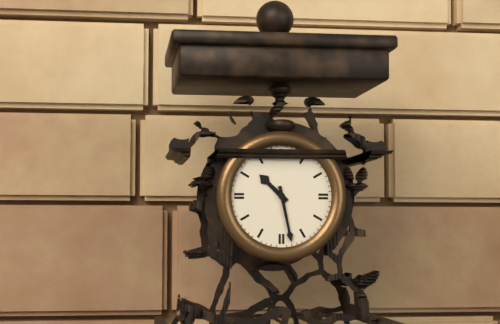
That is 10 h 28 min
